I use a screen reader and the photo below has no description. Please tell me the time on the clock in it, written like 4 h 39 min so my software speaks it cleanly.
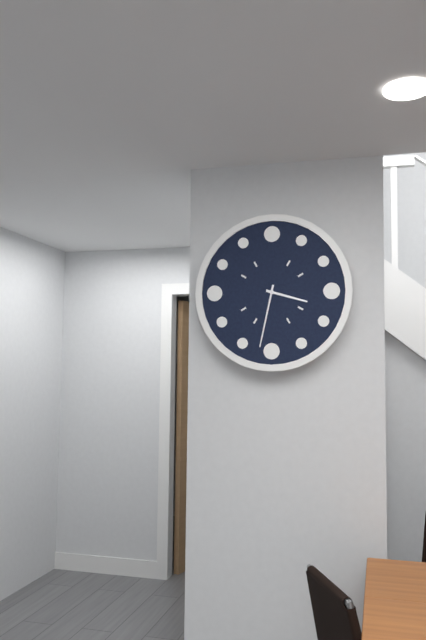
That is 3 h 32 min
